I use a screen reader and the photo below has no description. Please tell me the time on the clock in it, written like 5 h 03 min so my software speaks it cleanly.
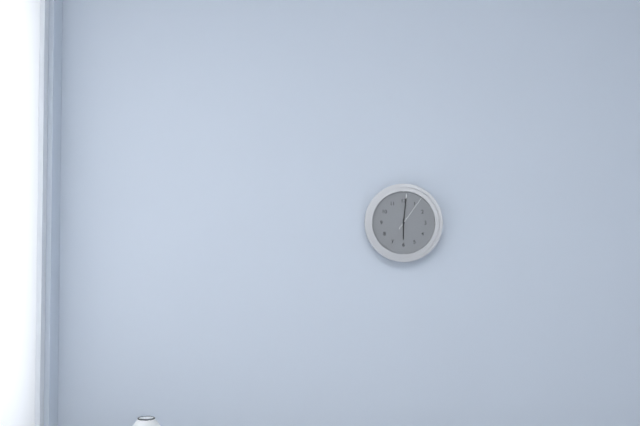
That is 6 h 01 min
